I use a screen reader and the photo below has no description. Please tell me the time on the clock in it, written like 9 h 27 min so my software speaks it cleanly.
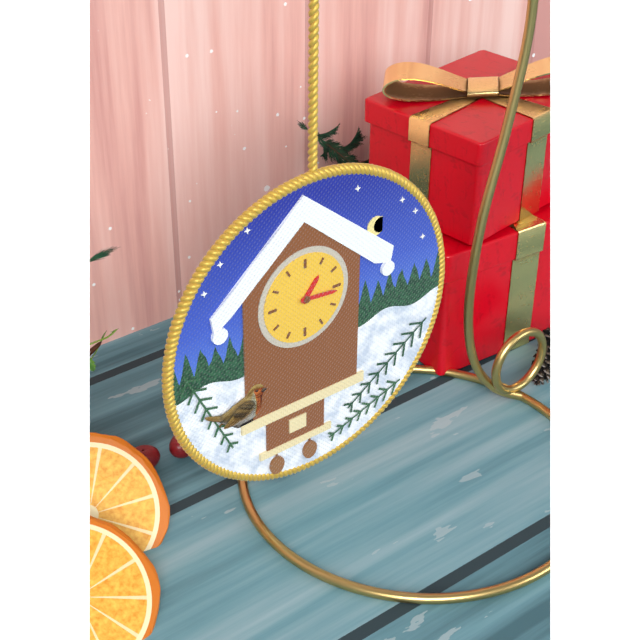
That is 1 h 16 min
